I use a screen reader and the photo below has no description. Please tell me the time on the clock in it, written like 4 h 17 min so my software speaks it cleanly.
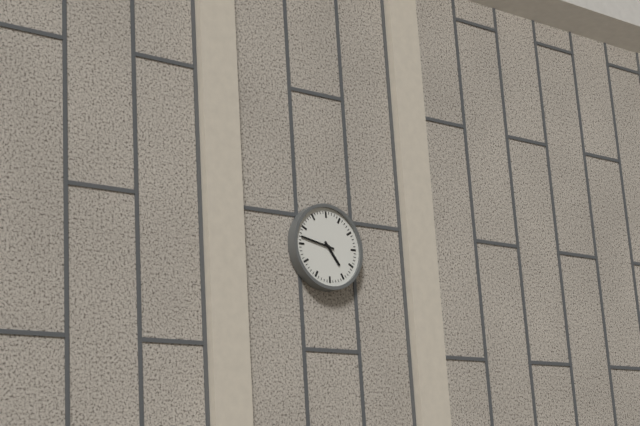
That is 4 h 47 min
